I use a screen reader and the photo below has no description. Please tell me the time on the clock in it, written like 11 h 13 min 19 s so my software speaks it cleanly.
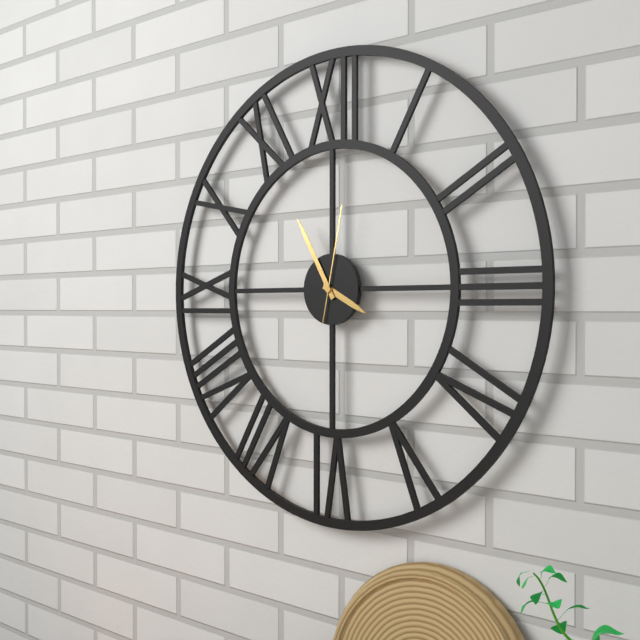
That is 3 h 55 min 02 s
